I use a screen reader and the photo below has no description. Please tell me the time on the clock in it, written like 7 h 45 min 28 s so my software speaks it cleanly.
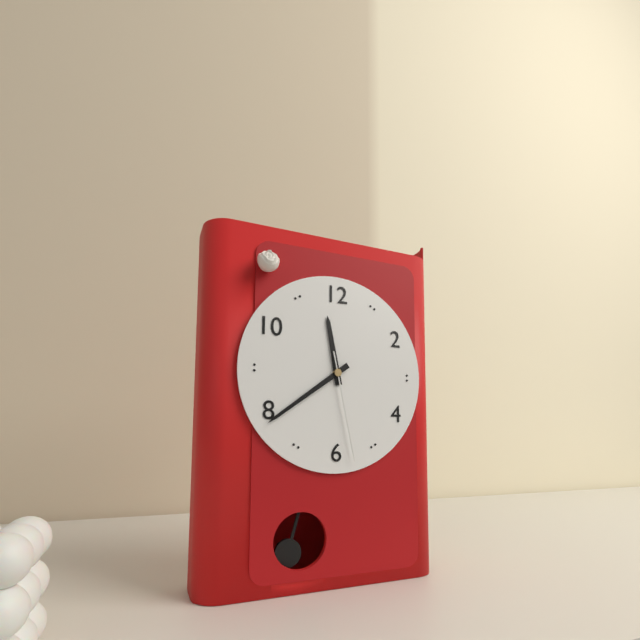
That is 11 h 39 min 28 s
